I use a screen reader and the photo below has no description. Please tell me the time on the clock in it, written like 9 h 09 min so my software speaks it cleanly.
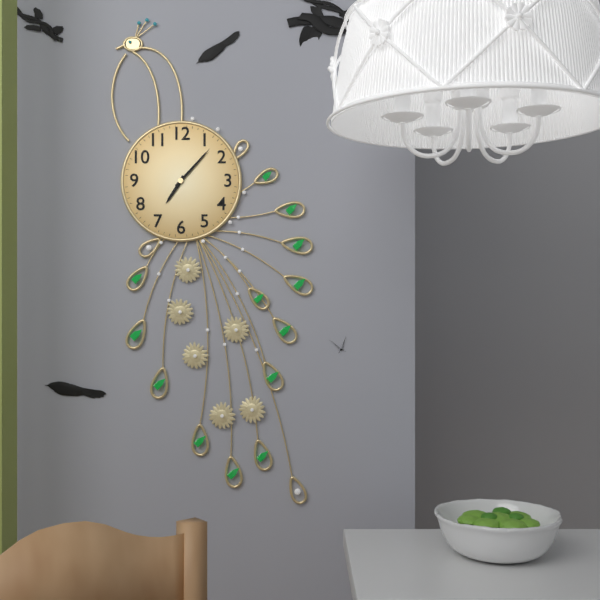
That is 7 h 07 min
